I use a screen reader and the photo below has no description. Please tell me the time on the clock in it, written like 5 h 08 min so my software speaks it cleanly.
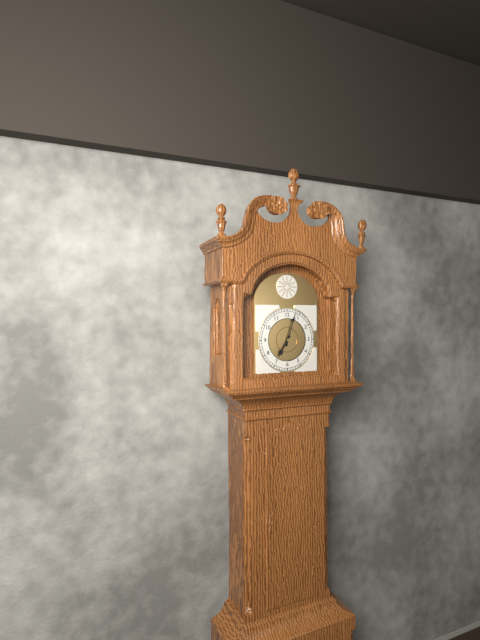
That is 7 h 03 min
